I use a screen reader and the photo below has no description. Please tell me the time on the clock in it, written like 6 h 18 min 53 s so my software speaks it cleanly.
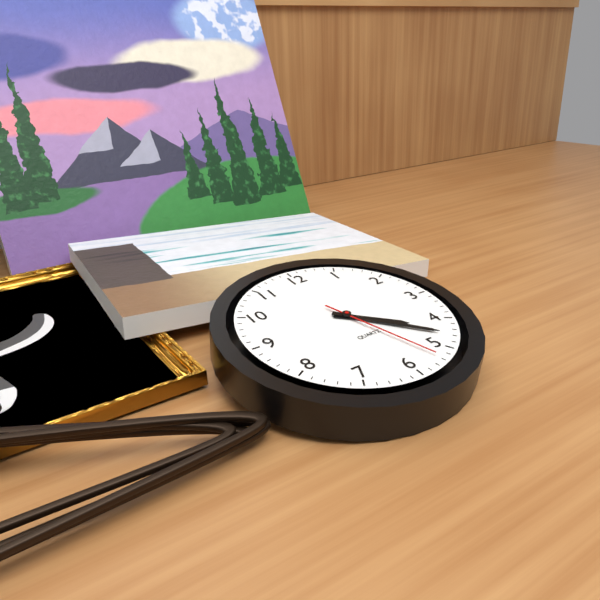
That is 4 h 23 min 27 s
